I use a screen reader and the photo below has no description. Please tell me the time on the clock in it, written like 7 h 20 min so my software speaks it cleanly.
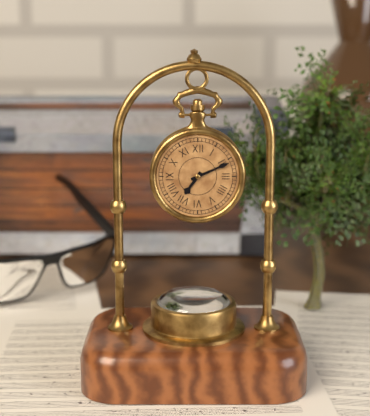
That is 7 h 11 min
